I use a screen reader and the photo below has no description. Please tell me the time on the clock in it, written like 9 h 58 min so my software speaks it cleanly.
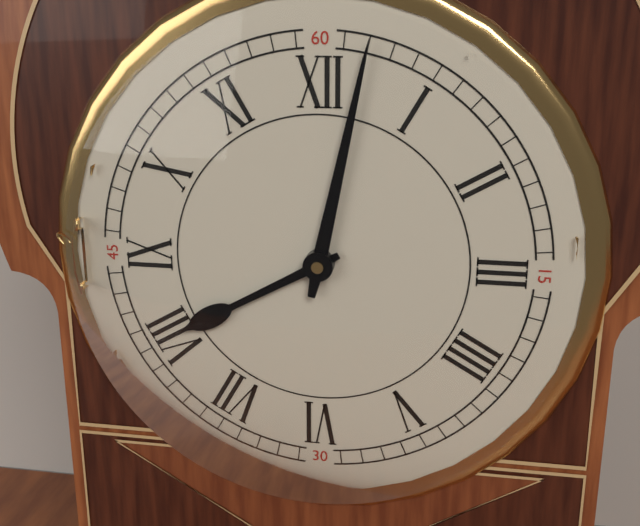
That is 8 h 02 min
